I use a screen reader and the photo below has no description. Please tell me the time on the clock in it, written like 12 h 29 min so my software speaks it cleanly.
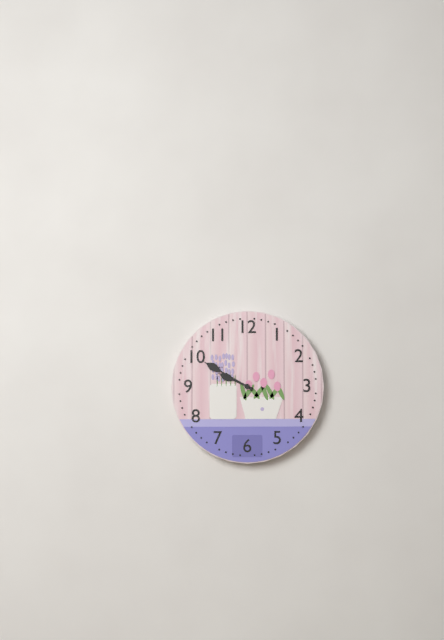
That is 9 h 50 min
